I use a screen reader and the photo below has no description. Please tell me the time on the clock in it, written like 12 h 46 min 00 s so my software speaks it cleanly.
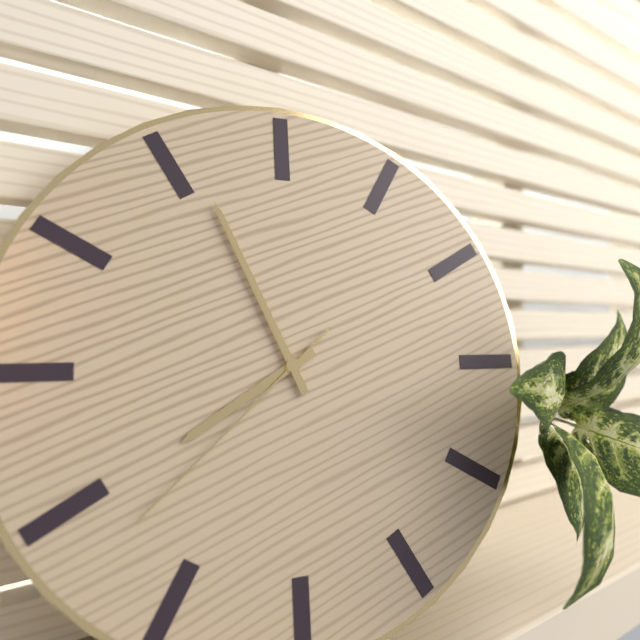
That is 7 h 56 min 38 s
